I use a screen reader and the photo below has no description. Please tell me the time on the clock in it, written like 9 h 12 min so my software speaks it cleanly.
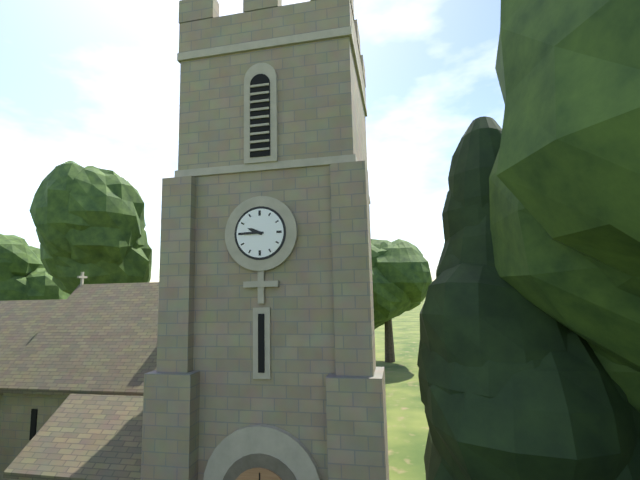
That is 9 h 45 min
